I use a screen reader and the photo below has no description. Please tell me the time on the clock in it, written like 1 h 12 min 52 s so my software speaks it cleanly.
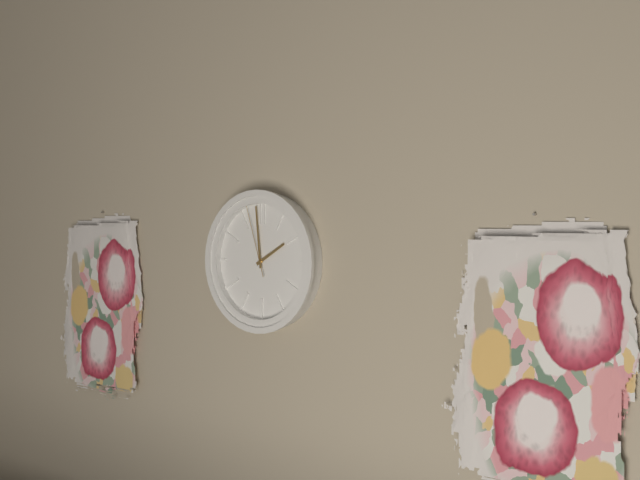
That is 1 h 59 min 57 s
